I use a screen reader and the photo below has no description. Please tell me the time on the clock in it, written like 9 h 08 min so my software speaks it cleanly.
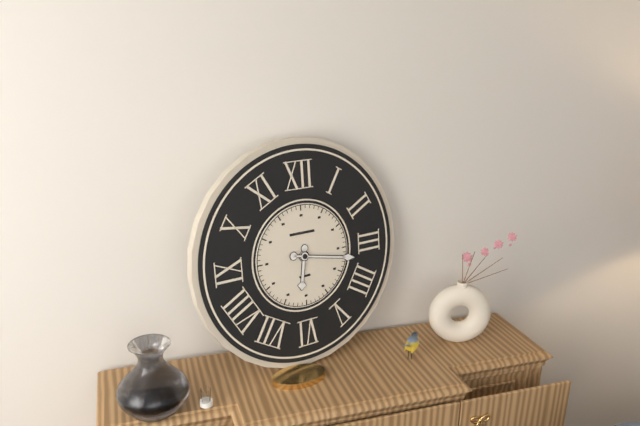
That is 6 h 17 min
